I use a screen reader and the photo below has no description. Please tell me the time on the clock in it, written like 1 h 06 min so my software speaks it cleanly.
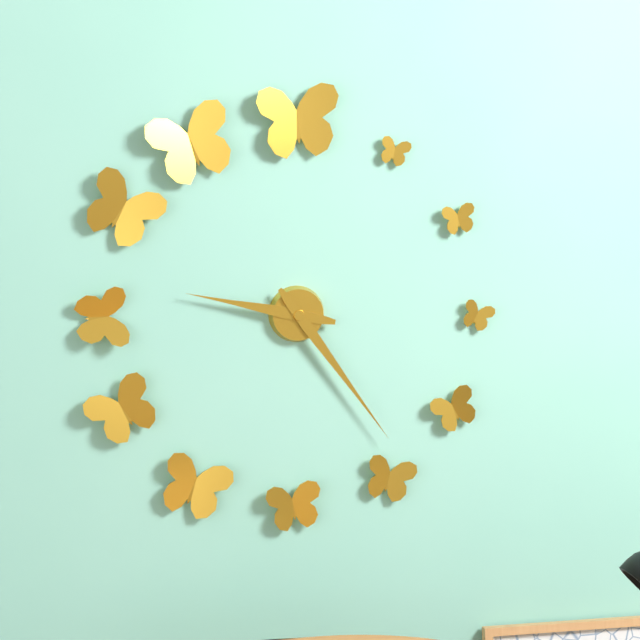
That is 9 h 24 min
